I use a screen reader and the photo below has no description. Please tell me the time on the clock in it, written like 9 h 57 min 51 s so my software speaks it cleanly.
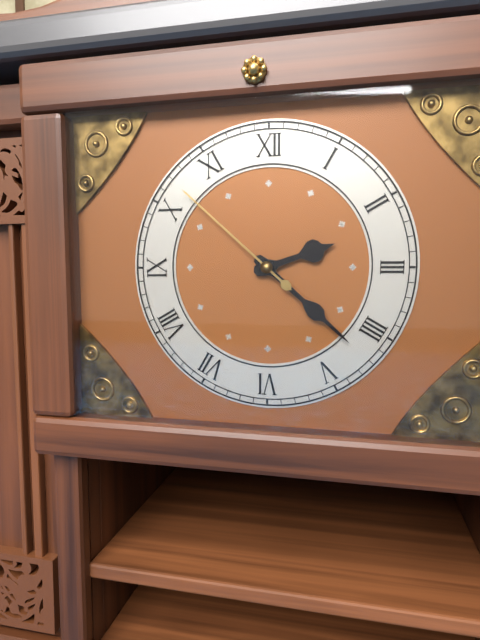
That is 2 h 22 min 52 s
